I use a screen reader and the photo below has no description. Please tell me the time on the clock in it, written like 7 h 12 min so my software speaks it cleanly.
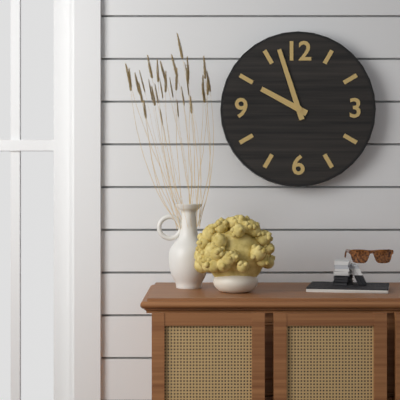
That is 9 h 57 min
